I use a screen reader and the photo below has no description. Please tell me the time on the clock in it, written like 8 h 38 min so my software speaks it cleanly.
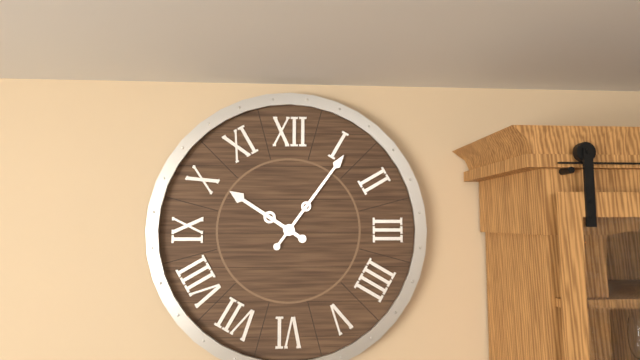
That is 10 h 06 min
